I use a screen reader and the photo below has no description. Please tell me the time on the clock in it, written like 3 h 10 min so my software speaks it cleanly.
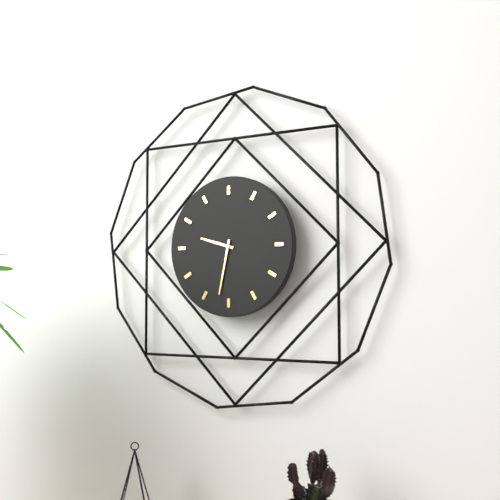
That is 9 h 32 min
